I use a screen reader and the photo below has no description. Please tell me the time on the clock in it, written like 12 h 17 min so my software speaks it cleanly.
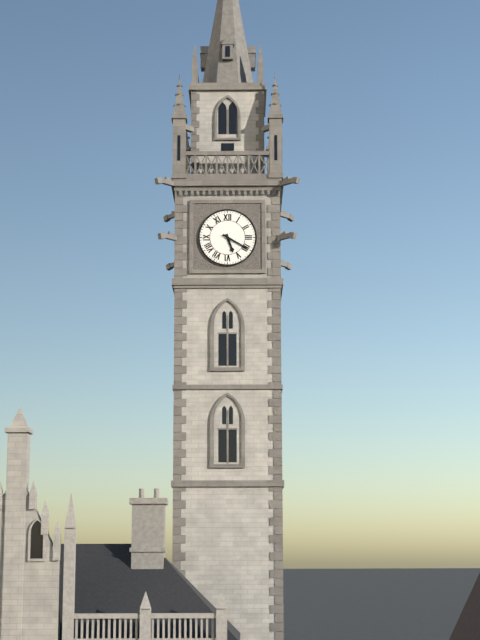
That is 5 h 20 min
